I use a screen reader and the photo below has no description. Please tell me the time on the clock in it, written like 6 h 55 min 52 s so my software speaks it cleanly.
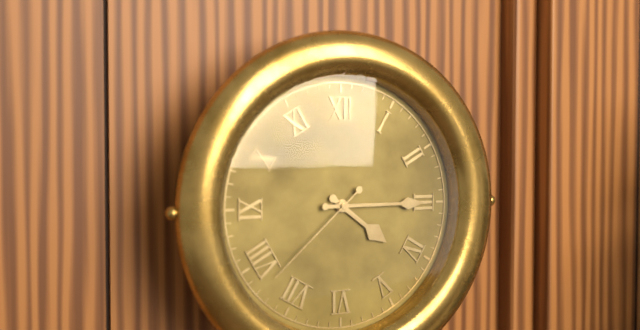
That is 4 h 15 min 38 s
